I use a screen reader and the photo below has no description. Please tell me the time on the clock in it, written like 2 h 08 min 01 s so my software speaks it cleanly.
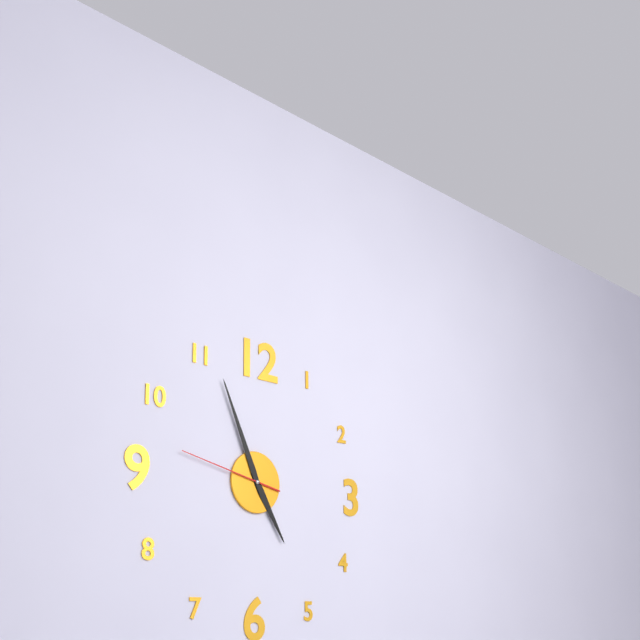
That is 4 h 56 min 47 s
